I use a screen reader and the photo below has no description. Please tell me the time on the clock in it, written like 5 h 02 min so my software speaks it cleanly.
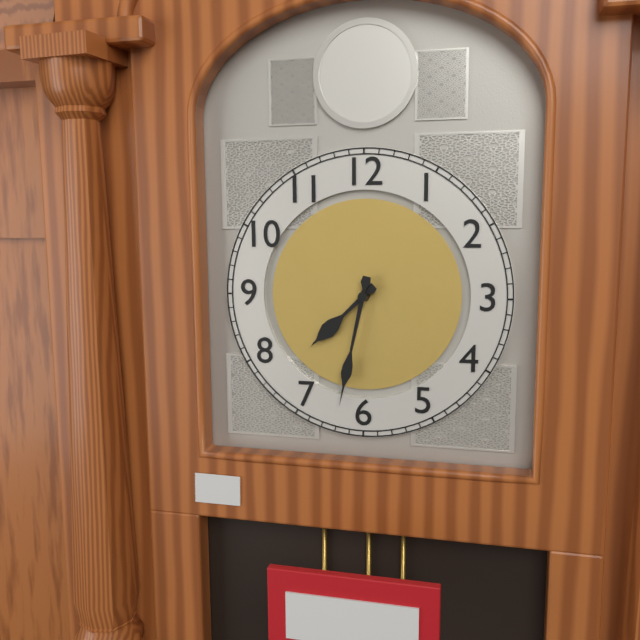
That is 7 h 32 min
